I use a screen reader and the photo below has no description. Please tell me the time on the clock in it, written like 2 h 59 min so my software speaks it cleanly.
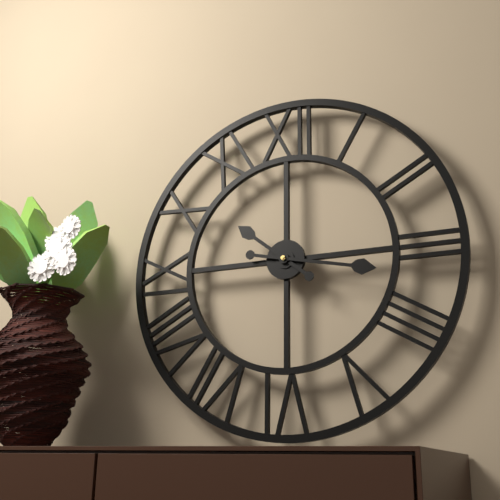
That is 10 h 17 min
